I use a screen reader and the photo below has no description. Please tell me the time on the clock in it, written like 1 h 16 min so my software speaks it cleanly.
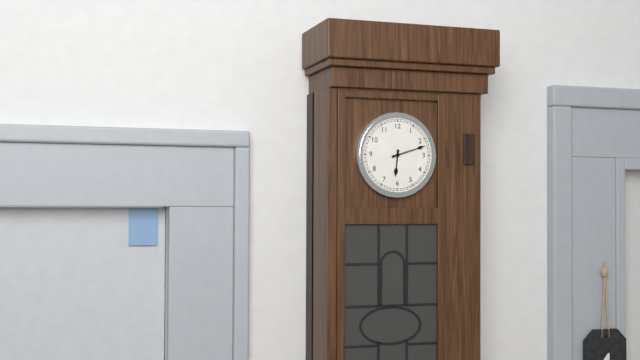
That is 6 h 12 min
